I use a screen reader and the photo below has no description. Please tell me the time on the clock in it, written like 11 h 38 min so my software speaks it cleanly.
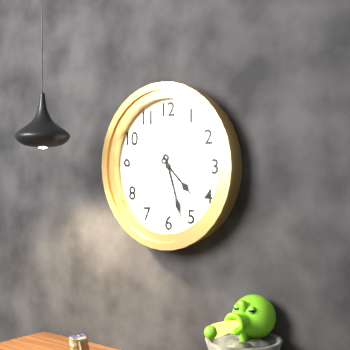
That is 4 h 27 min
